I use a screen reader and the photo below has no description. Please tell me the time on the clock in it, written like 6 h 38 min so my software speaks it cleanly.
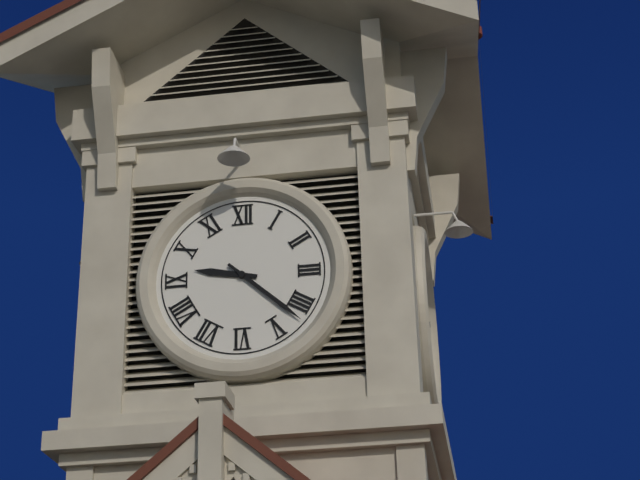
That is 9 h 22 min
